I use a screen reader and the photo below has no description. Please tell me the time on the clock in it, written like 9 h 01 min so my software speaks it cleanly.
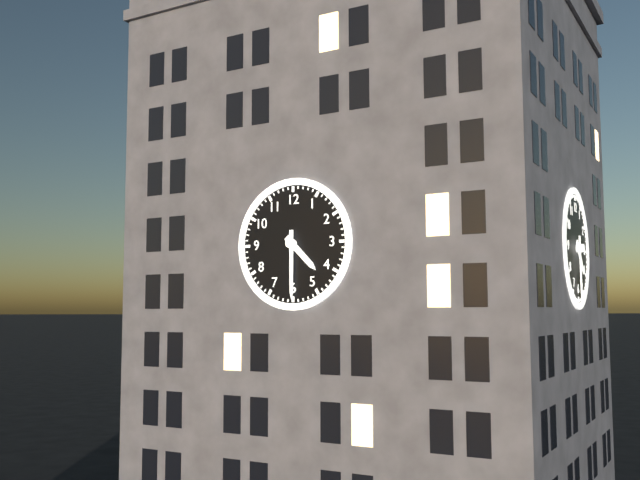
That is 4 h 30 min
